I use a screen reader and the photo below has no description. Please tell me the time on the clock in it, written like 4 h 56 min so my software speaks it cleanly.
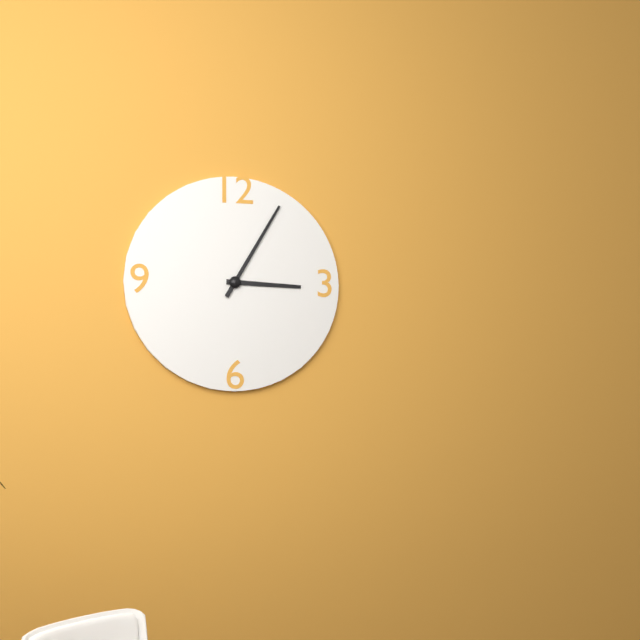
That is 3 h 05 min
